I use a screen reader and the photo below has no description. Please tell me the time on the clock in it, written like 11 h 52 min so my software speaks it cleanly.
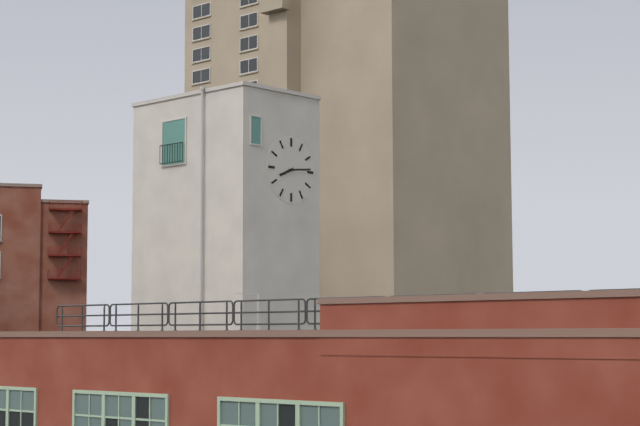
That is 8 h 14 min
